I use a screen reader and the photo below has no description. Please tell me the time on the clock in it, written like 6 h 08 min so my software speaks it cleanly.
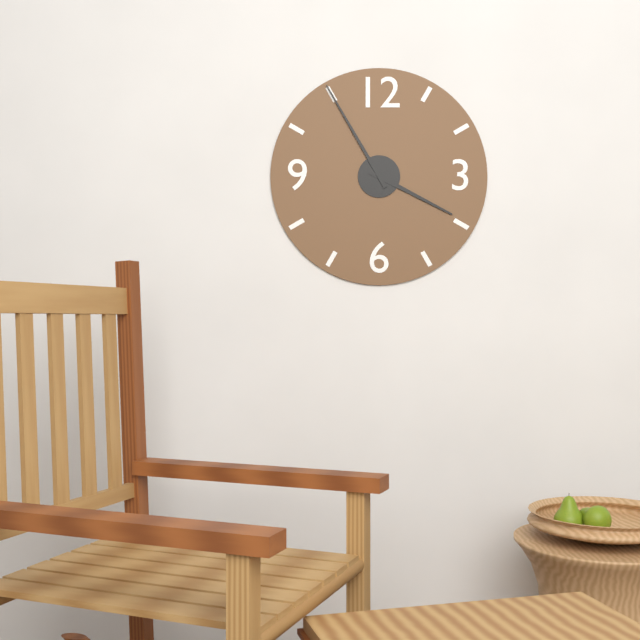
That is 3 h 55 min
